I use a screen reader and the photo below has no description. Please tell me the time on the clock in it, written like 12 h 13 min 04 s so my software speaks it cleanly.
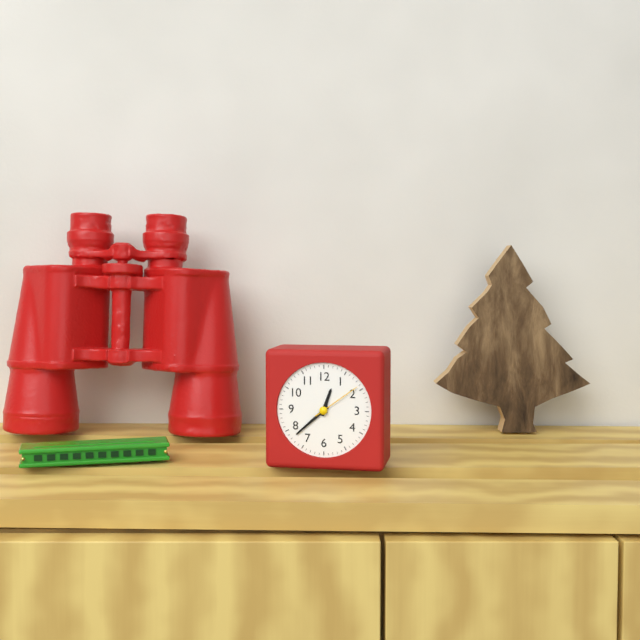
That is 12 h 38 min 09 s
